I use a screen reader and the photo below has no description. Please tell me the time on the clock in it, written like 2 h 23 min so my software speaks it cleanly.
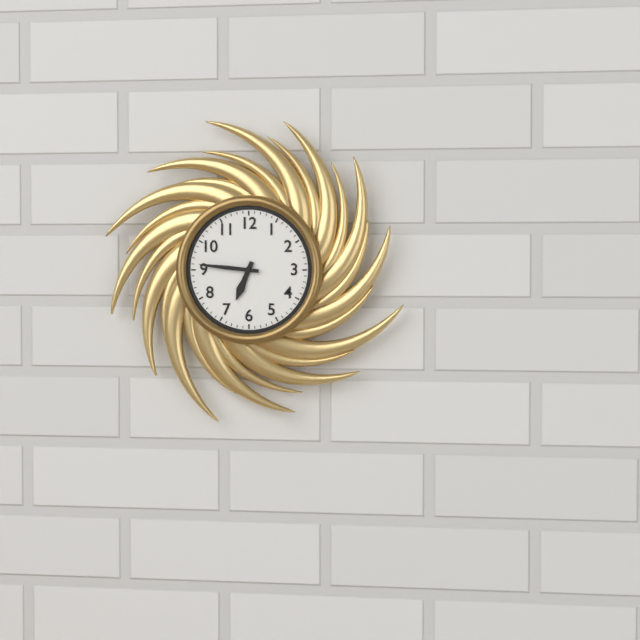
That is 6 h 46 min
